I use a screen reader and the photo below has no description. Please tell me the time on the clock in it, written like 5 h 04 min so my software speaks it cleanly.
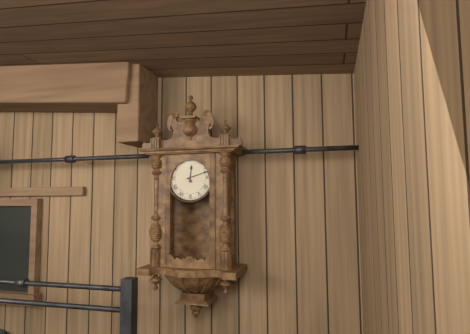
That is 12 h 12 min
